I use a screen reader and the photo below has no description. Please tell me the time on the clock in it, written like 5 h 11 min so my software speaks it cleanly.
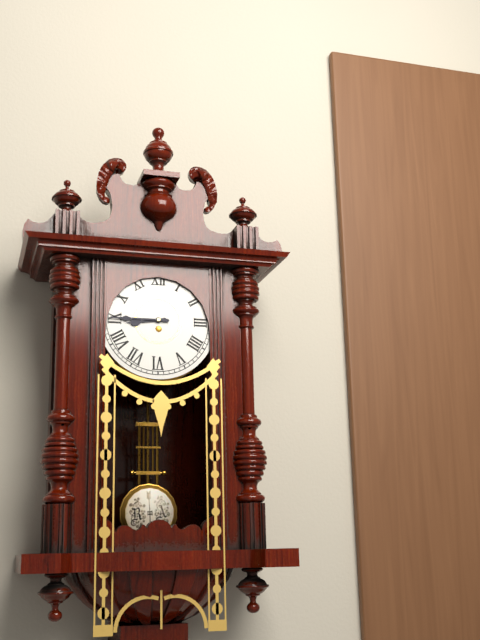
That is 8 h 45 min
